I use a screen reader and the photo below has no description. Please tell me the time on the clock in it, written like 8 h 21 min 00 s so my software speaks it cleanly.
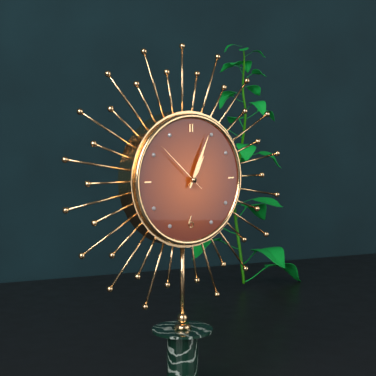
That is 1 h 04 min 52 s
